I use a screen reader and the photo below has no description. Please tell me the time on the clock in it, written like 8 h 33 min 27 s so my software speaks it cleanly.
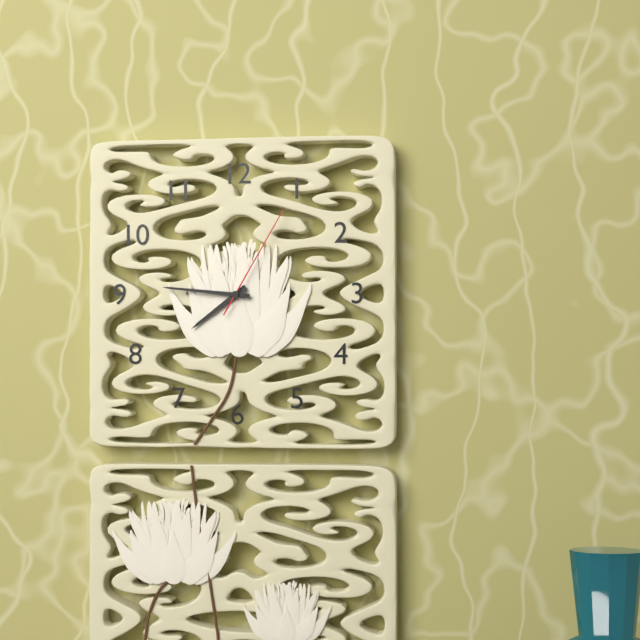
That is 7 h 46 min 05 s
